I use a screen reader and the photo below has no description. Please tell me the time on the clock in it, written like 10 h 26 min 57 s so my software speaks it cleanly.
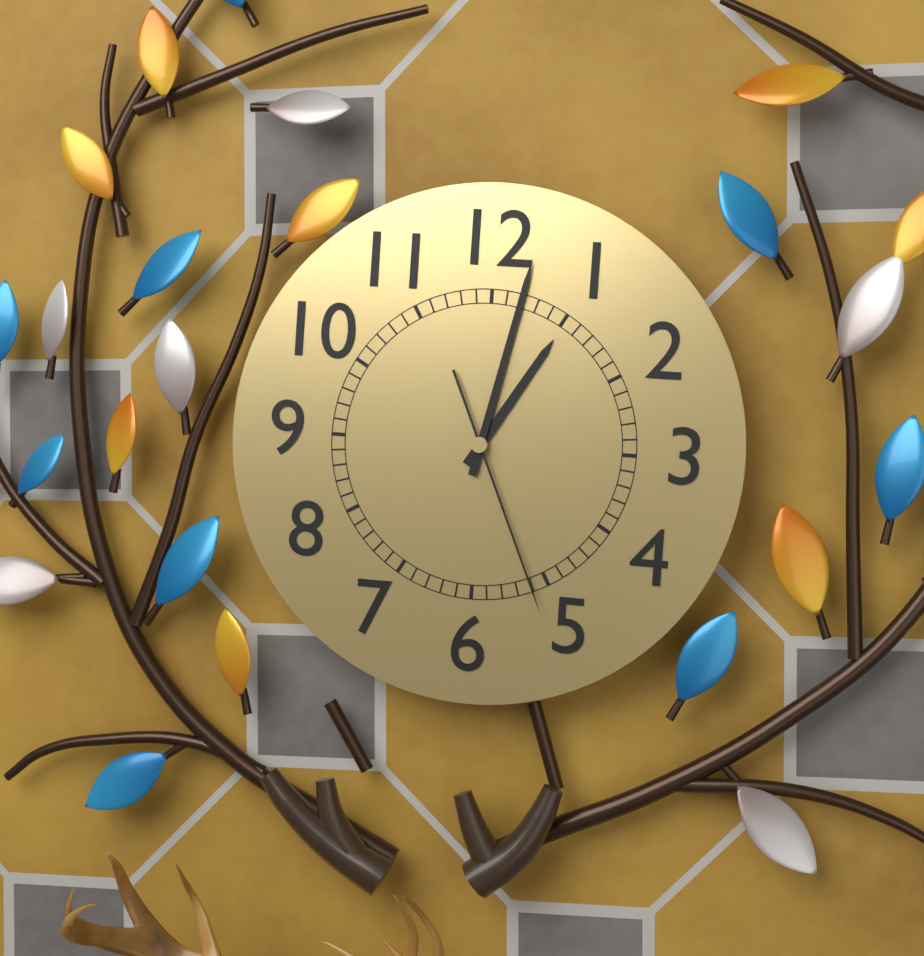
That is 1 h 02 min 26 s
